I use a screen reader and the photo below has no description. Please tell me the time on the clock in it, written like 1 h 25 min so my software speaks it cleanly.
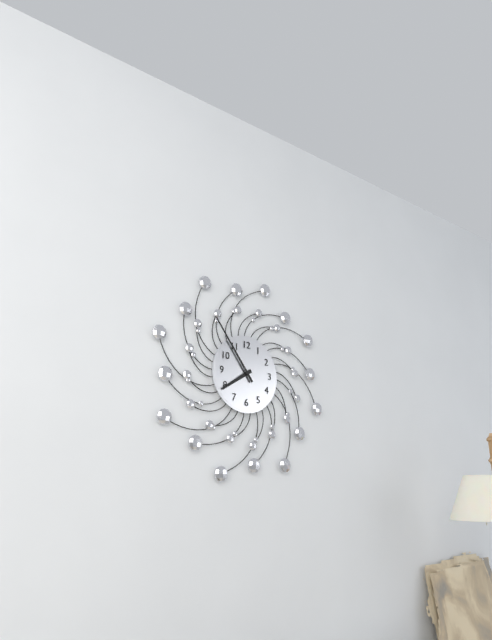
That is 7 h 54 min
